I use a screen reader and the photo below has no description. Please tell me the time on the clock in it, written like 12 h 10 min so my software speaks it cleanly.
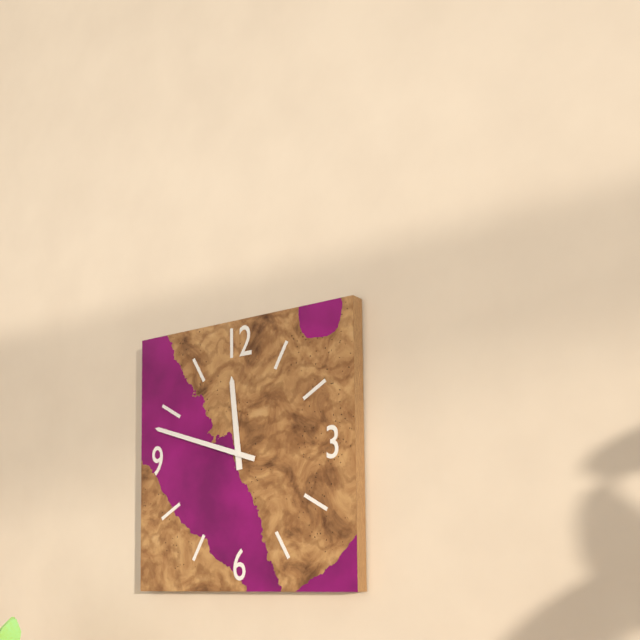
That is 11 h 48 min
